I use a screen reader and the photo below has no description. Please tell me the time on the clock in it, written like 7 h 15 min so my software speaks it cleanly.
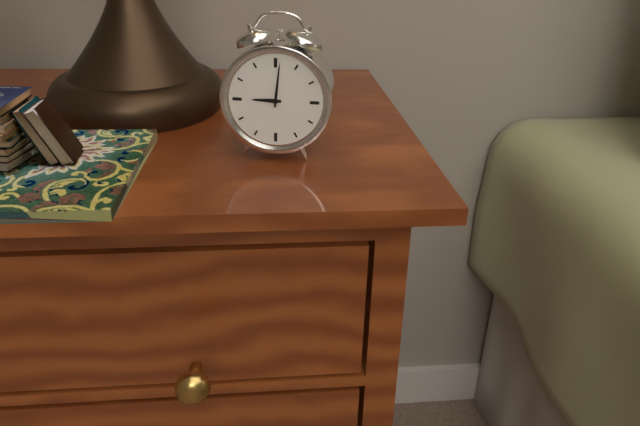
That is 9 h 01 min
